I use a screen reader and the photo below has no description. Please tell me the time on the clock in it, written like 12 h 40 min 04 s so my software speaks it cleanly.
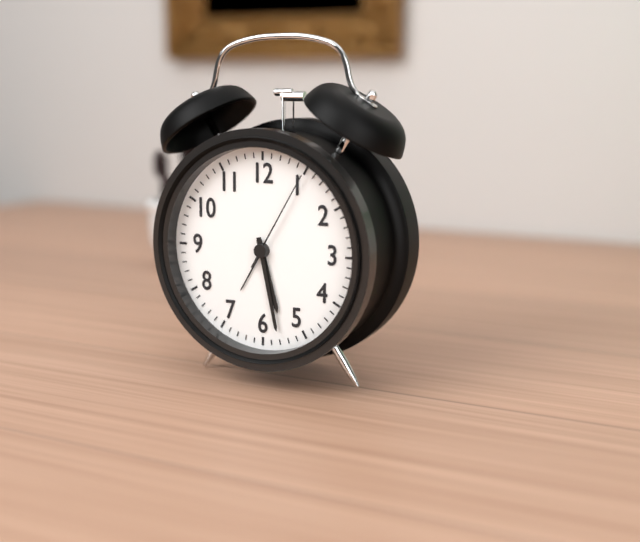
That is 5 h 28 min 05 s
